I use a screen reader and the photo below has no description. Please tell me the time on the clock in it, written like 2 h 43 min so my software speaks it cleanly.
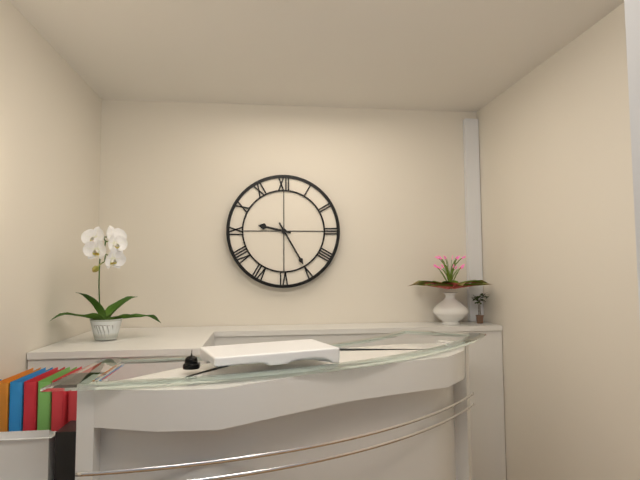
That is 9 h 25 min
